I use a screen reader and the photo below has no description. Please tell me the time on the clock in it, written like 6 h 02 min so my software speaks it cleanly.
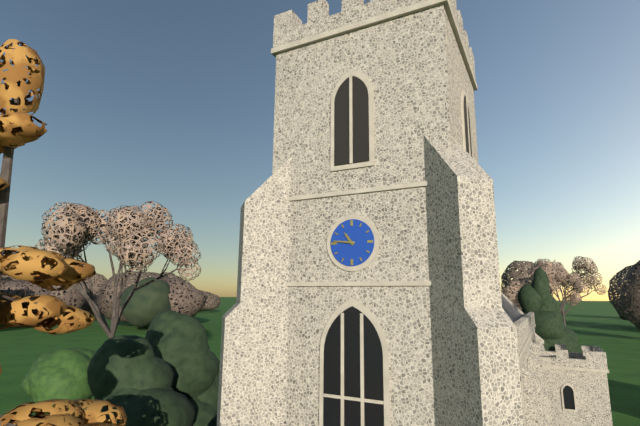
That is 10 h 46 min
